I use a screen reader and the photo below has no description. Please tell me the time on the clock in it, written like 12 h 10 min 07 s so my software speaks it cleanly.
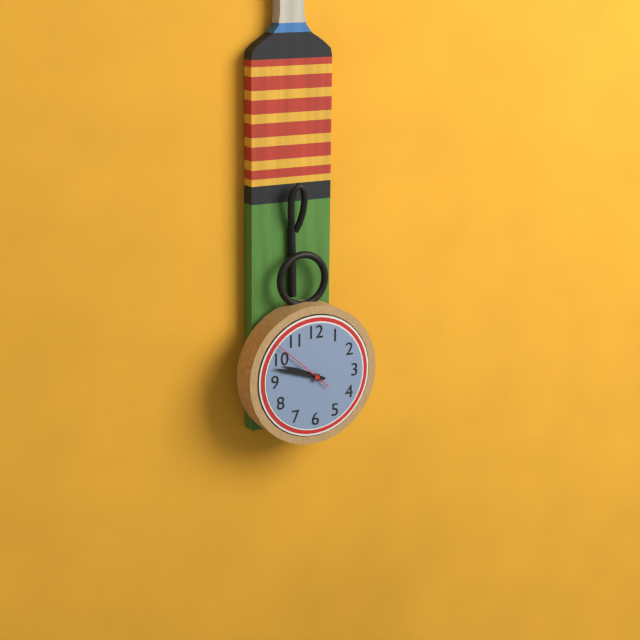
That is 9 h 48 min 52 s
